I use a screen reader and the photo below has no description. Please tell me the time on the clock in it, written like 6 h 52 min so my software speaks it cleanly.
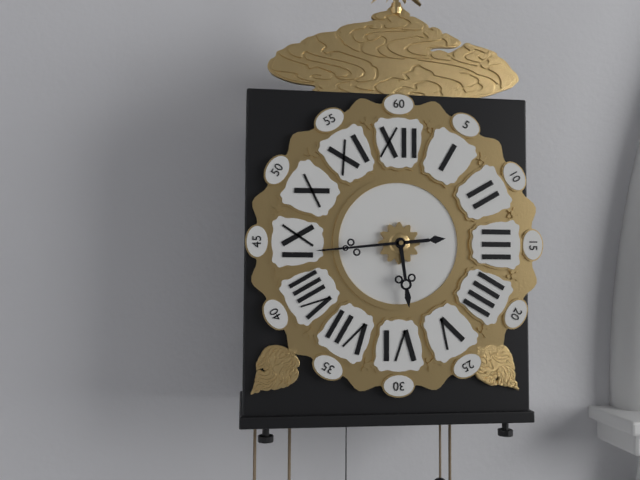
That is 5 h 44 min
